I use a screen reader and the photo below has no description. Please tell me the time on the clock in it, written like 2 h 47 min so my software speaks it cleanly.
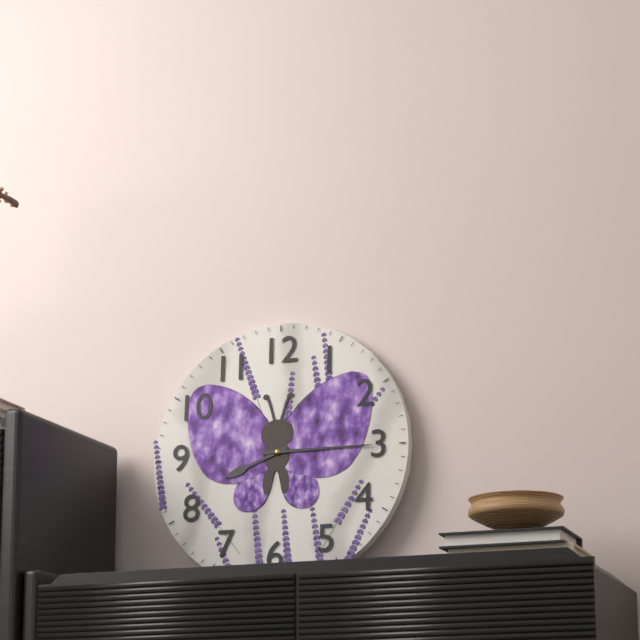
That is 8 h 15 min
